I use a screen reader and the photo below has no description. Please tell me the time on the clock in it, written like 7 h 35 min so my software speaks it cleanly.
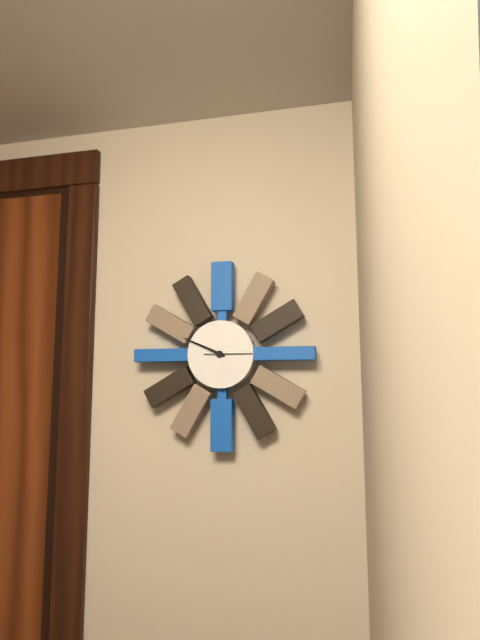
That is 9 h 49 min
